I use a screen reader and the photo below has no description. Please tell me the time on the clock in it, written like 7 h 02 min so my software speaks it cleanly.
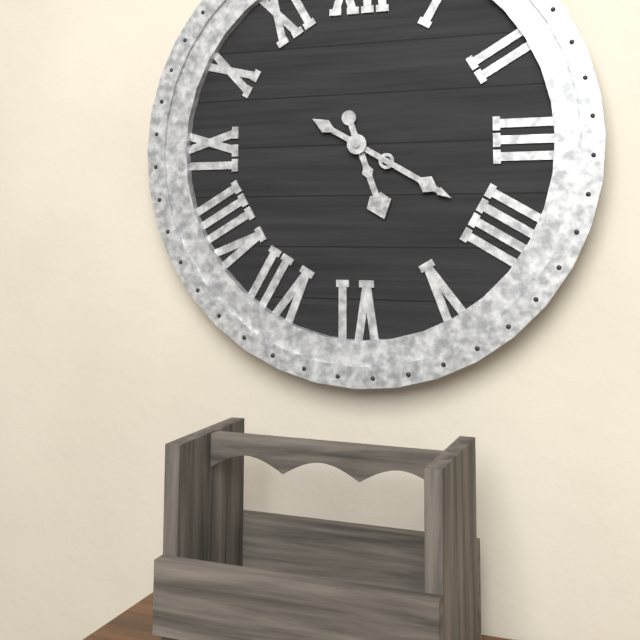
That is 5 h 20 min
